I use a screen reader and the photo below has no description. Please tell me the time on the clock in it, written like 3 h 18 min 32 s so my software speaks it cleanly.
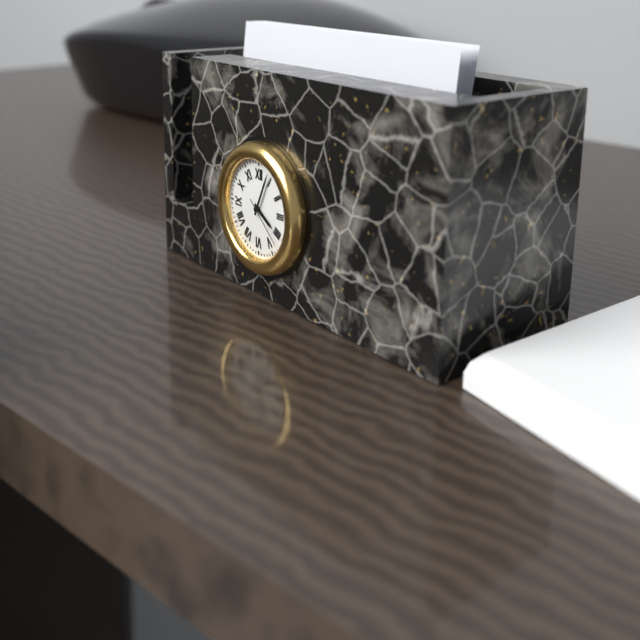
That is 4 h 04 min 22 s
